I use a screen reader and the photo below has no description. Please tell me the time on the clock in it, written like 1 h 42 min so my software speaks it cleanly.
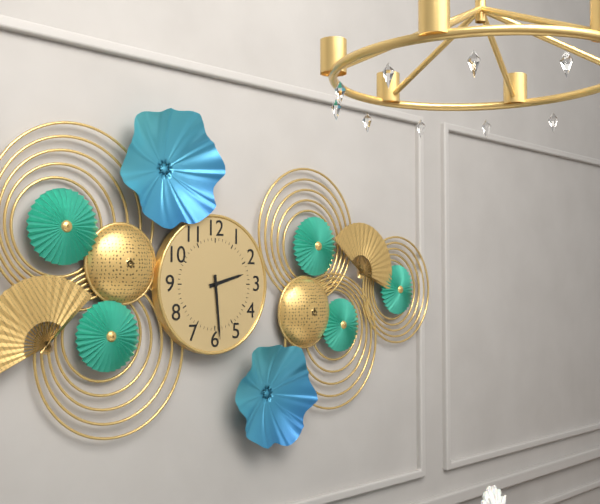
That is 2 h 29 min
